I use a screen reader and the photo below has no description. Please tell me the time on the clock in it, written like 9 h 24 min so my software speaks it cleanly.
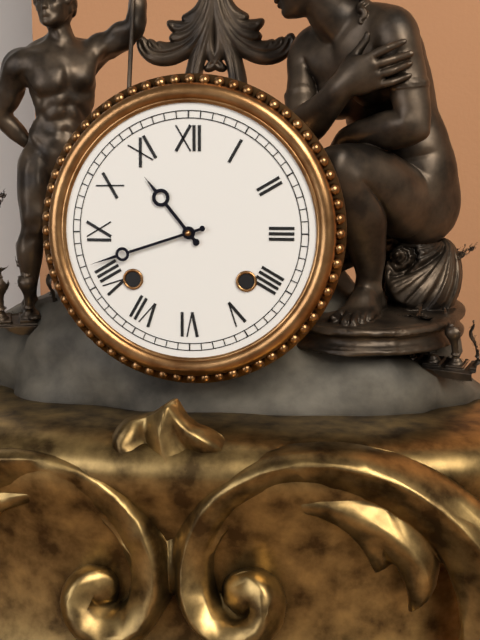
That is 10 h 42 min
